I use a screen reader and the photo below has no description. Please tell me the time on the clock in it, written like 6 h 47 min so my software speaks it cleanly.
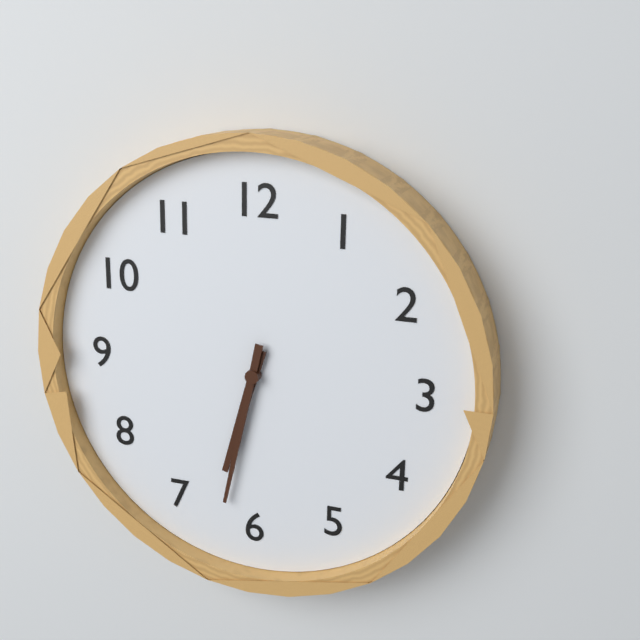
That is 6 h 32 min
